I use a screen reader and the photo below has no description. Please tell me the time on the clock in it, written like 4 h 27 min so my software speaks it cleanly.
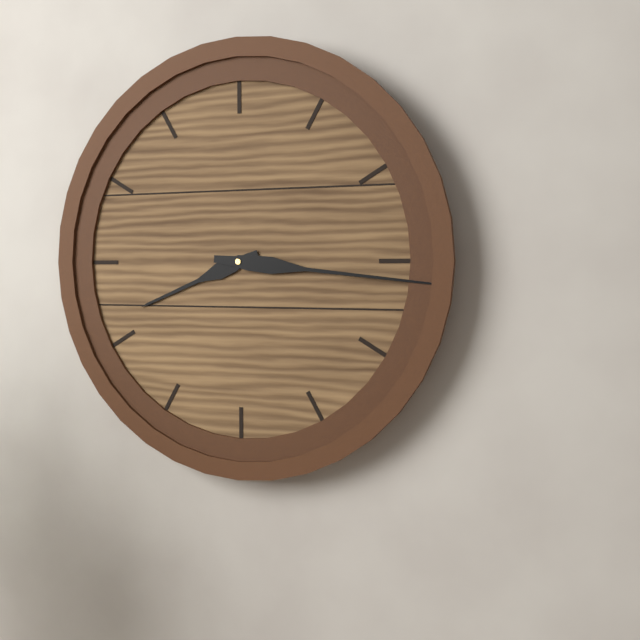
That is 8 h 16 min
